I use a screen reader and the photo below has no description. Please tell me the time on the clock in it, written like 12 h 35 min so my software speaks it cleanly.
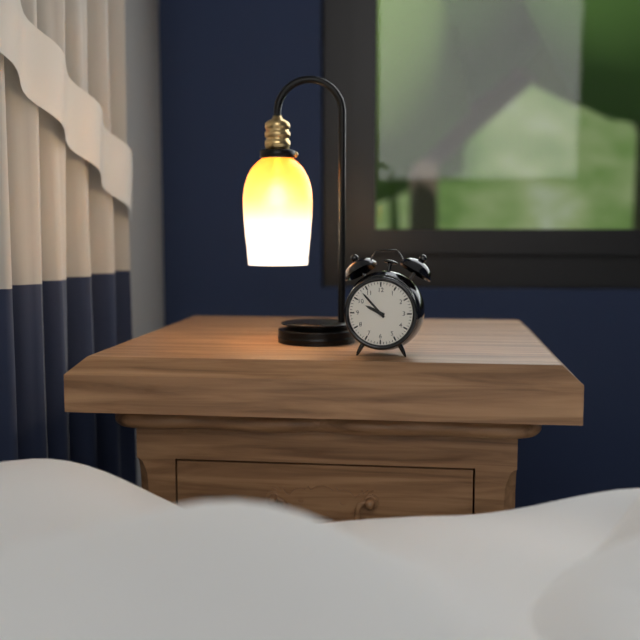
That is 9 h 53 min
